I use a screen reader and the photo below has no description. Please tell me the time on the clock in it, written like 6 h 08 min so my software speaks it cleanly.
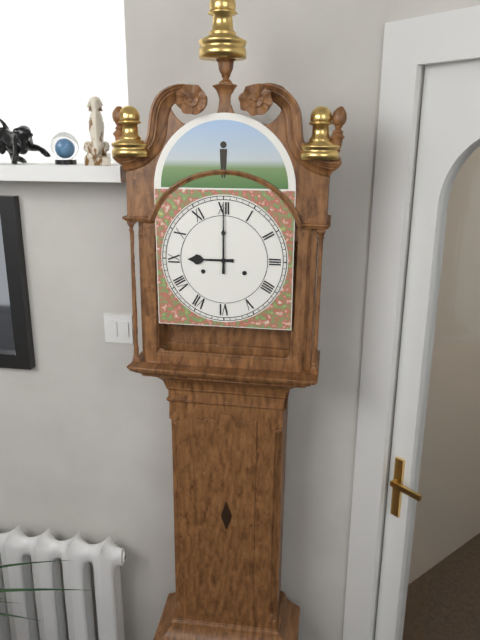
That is 9 h 00 min
